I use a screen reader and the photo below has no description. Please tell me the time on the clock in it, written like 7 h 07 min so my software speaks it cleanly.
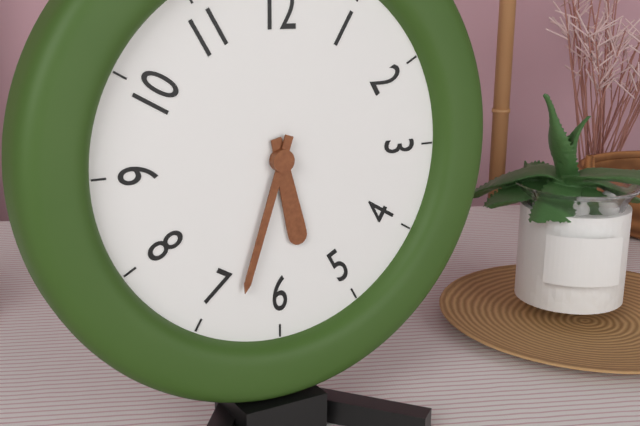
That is 5 h 33 min
